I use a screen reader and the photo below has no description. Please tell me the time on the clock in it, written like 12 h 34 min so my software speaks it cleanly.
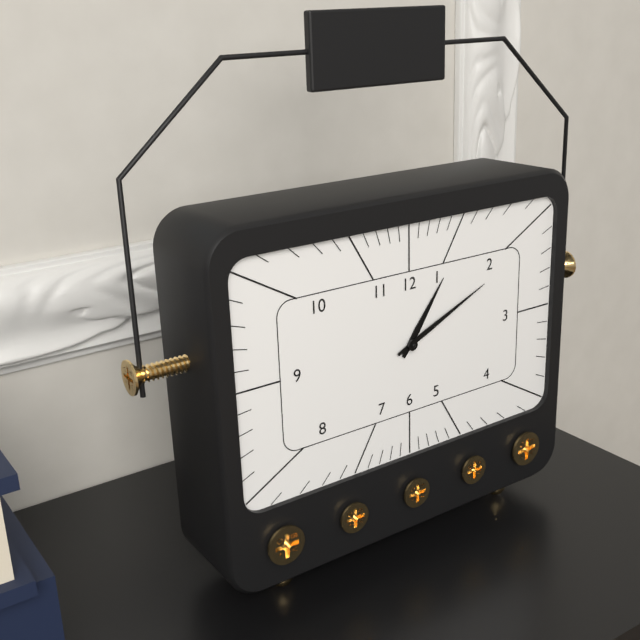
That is 1 h 11 min
